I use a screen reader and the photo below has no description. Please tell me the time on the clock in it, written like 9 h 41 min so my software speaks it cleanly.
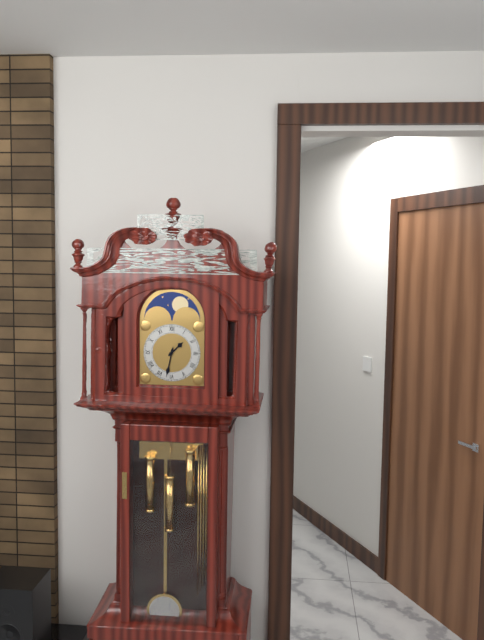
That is 1 h 32 min
